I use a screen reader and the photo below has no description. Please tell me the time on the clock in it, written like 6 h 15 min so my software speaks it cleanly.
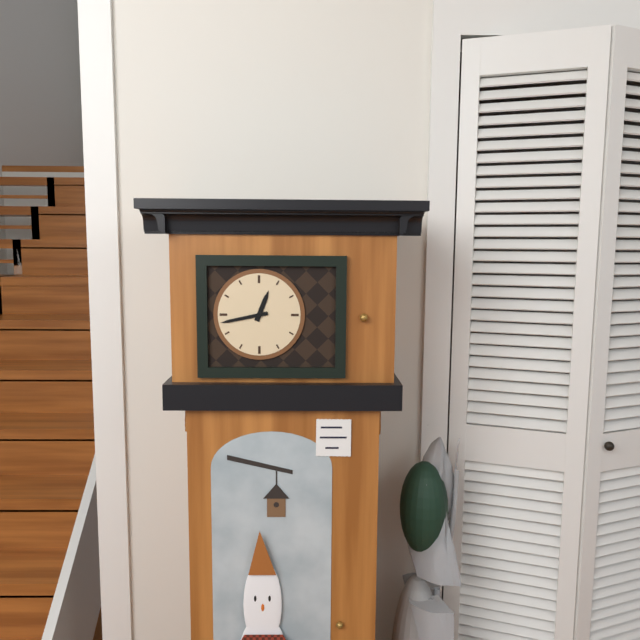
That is 12 h 43 min
